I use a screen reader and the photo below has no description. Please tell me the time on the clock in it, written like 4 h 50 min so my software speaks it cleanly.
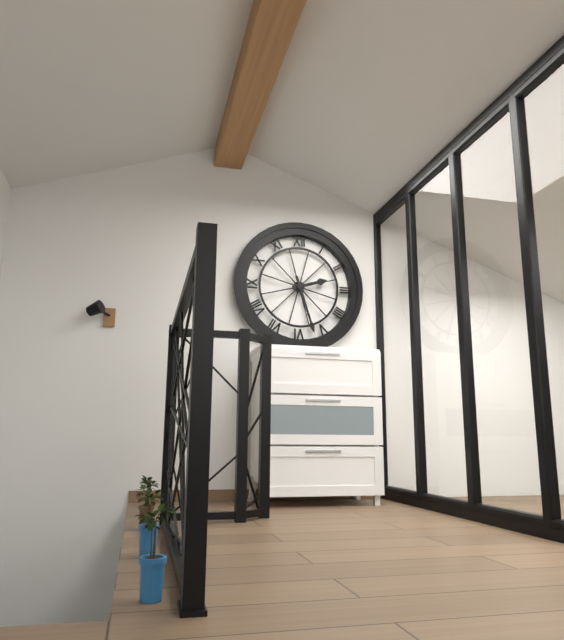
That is 2 h 27 min
